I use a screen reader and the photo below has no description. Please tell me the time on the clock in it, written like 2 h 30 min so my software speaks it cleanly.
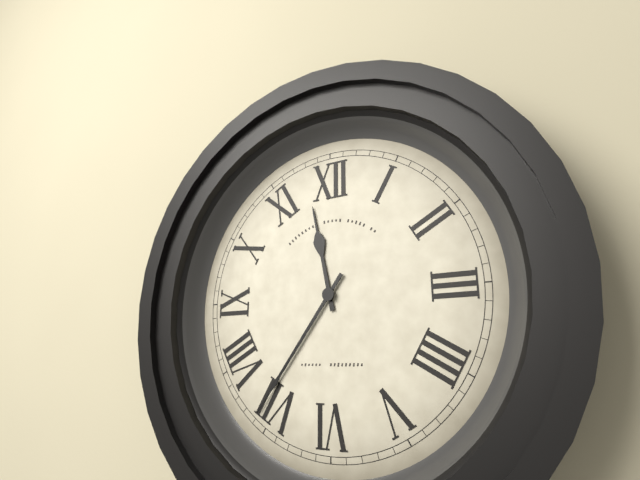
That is 11 h 36 min
